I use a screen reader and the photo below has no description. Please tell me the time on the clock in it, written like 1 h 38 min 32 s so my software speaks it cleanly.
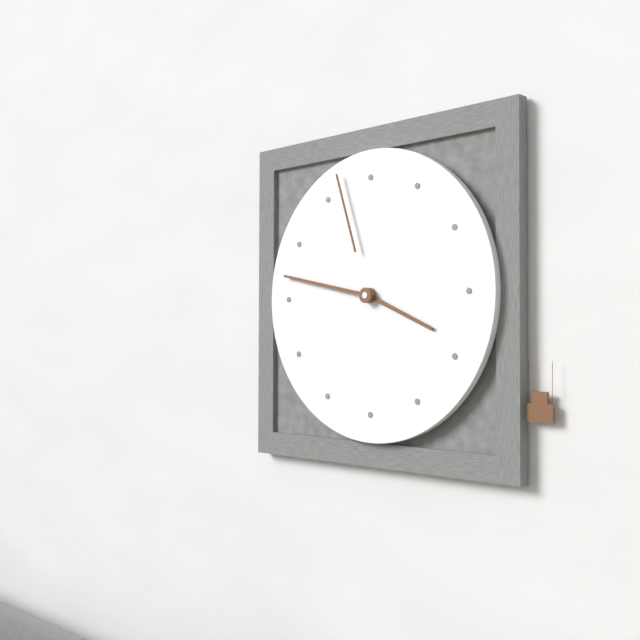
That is 3 h 47 min 57 s
